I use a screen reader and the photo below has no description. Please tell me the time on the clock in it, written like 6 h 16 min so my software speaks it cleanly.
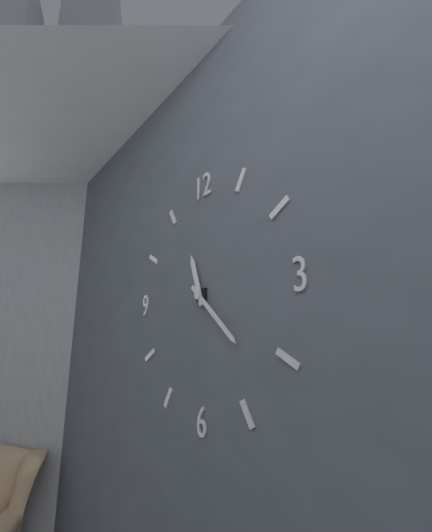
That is 11 h 22 min
